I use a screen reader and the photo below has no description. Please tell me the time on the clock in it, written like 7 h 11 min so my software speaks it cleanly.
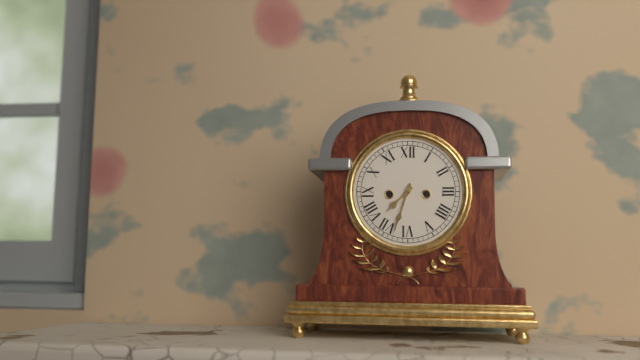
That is 7 h 33 min
